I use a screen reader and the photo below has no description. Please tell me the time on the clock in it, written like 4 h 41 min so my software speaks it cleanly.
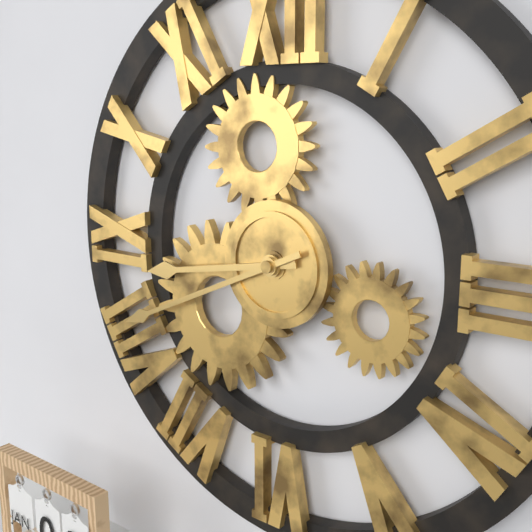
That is 8 h 41 min
